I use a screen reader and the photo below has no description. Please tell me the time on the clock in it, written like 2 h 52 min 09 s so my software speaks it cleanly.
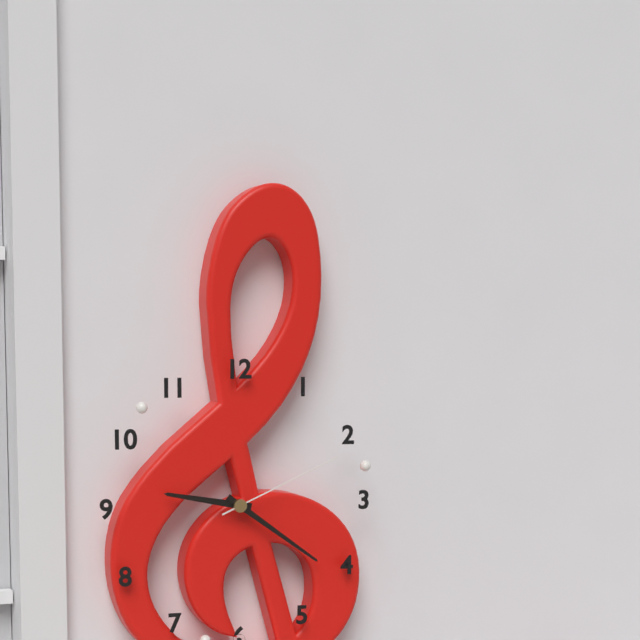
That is 9 h 21 min 11 s
